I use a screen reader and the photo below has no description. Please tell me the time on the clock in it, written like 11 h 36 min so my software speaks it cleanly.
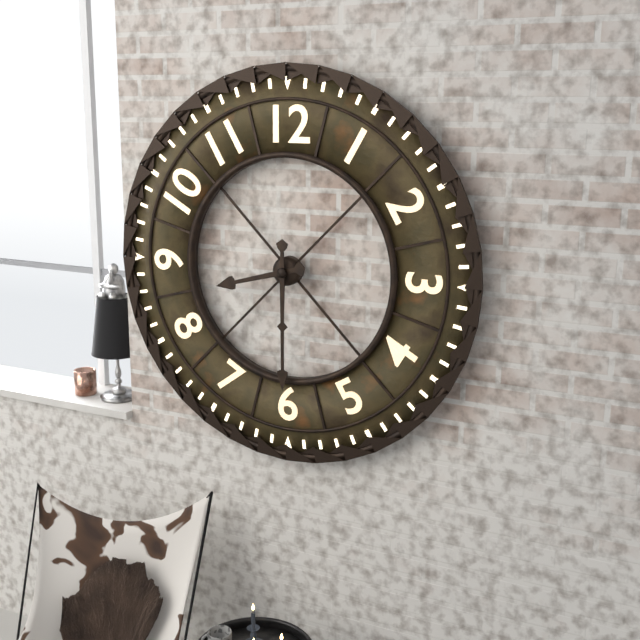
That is 8 h 30 min
